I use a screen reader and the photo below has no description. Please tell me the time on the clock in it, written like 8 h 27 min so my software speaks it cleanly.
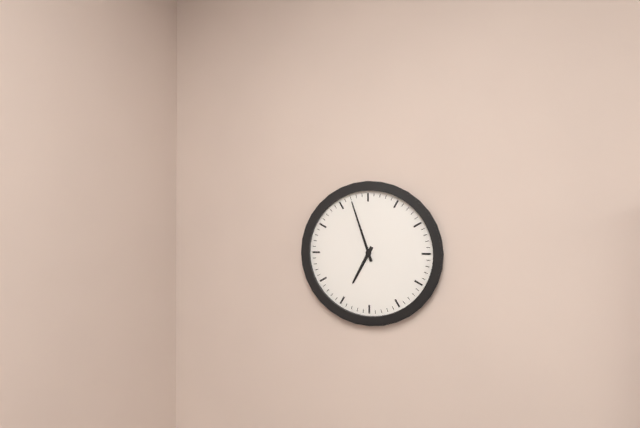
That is 6 h 57 min
